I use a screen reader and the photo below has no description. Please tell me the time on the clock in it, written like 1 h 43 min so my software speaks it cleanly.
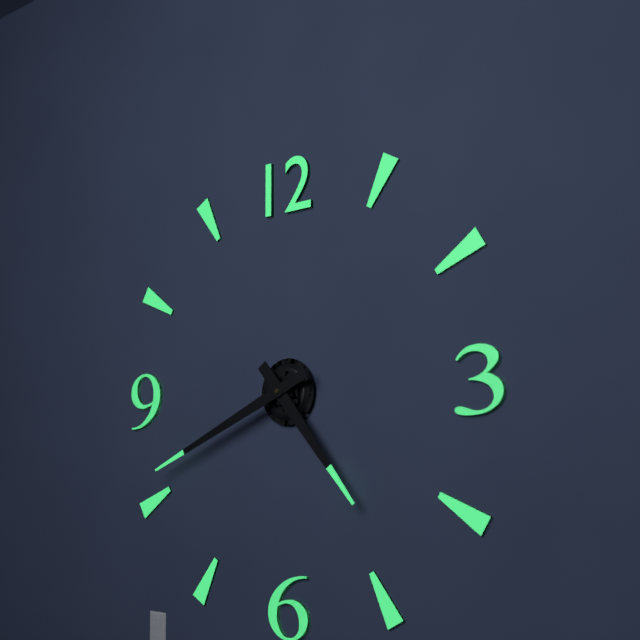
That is 4 h 41 min
